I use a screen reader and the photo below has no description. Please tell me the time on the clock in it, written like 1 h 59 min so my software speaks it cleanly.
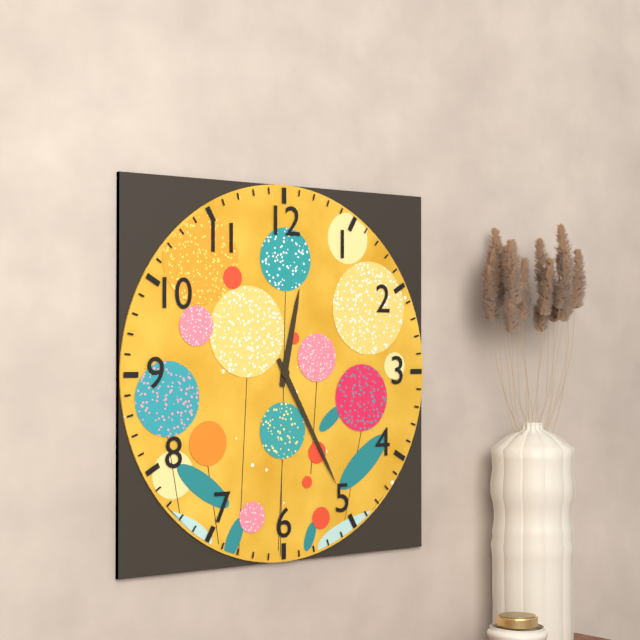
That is 12 h 25 min
